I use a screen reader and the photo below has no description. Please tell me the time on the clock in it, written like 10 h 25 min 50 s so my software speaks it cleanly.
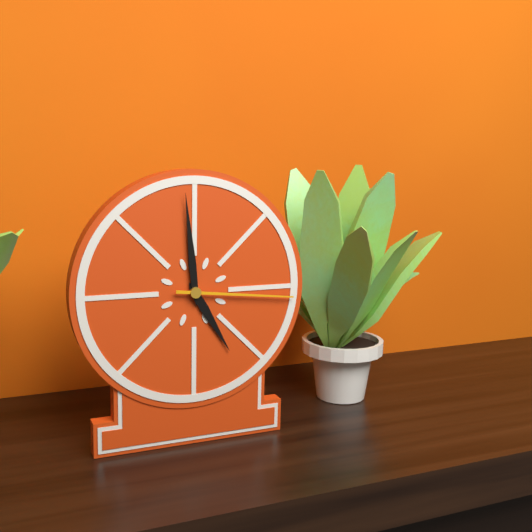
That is 4 h 59 min 16 s
